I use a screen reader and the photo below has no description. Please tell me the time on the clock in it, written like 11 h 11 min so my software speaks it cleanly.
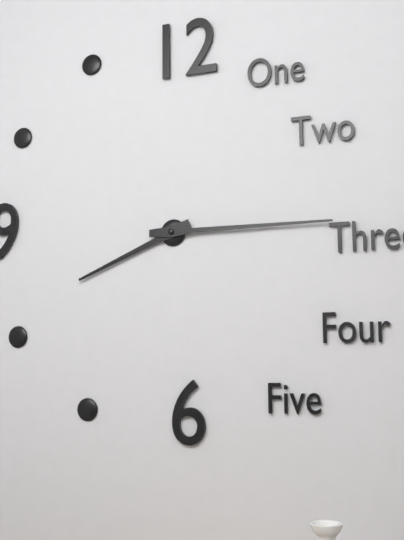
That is 8 h 15 min
